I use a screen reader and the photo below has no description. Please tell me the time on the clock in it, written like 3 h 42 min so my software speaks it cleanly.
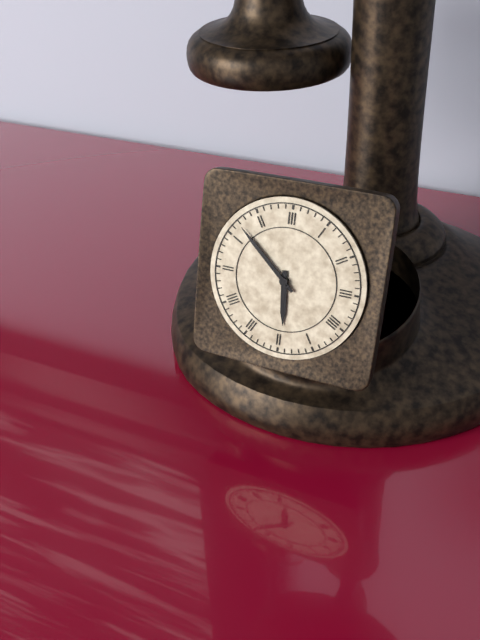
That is 5 h 52 min
